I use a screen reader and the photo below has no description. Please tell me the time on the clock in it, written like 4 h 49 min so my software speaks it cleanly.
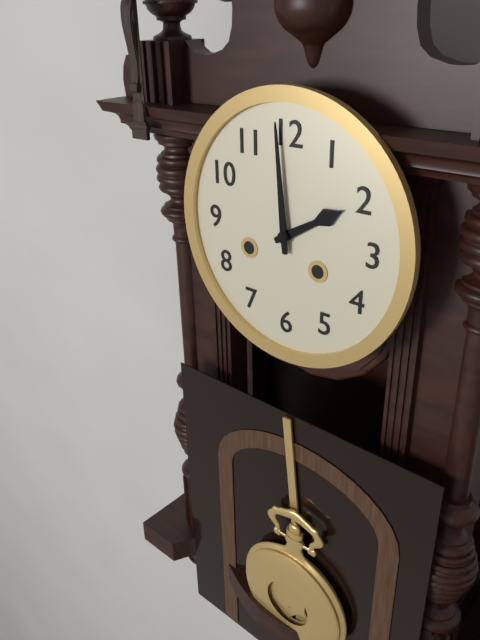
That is 1 h 59 min
